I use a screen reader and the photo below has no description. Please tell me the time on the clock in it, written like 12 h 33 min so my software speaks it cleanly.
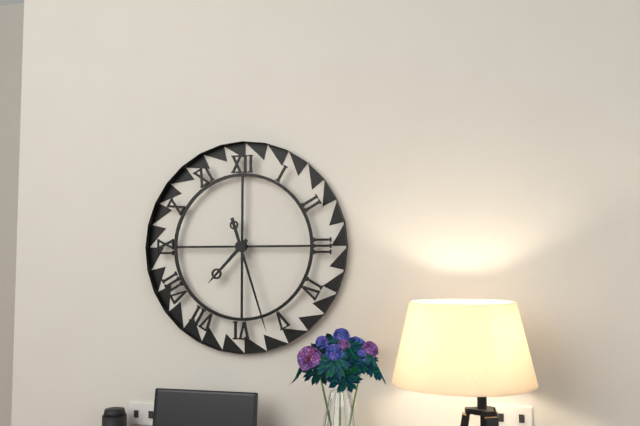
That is 7 h 27 min
